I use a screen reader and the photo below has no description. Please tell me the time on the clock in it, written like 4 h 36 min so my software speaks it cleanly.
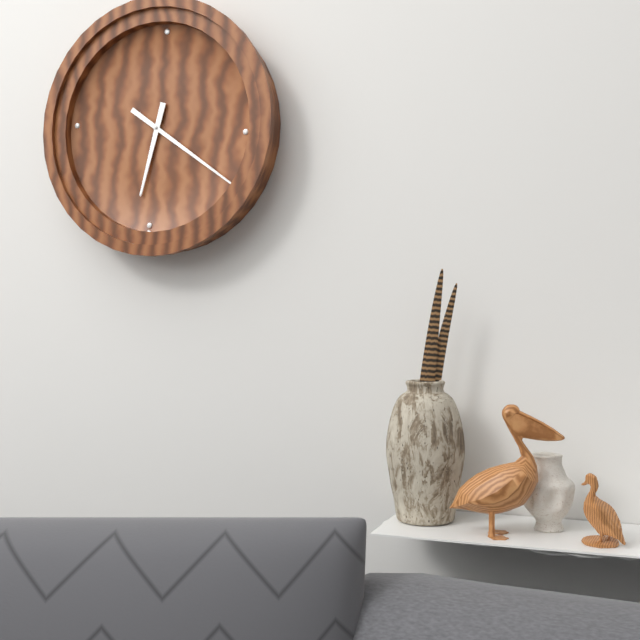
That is 6 h 20 min
